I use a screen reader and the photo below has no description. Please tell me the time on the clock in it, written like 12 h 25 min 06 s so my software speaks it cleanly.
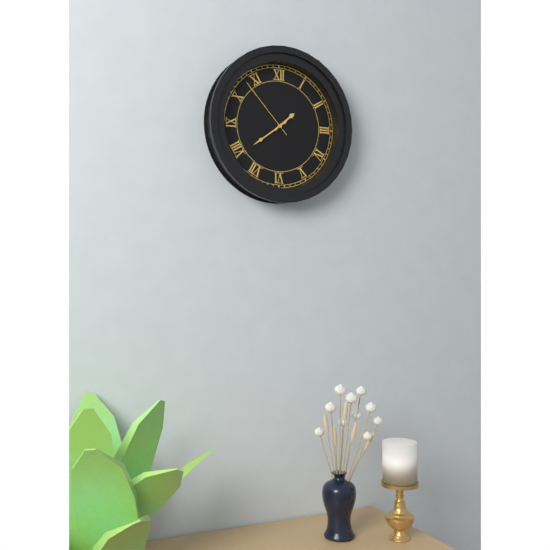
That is 1 h 39 min 53 s
